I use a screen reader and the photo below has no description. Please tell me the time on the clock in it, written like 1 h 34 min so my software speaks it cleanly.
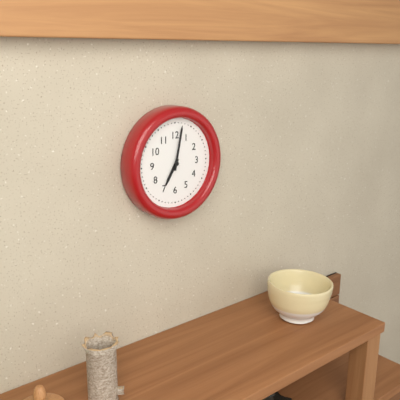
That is 7 h 02 min
